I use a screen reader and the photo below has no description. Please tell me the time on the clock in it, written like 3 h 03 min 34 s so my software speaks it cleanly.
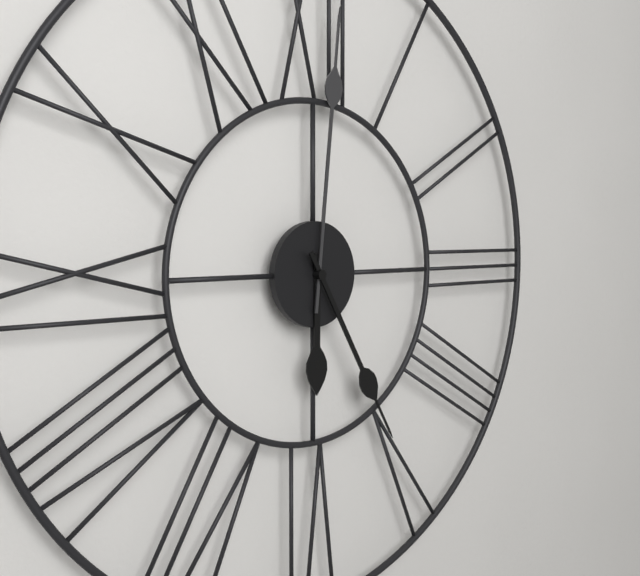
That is 6 h 01 min 25 s
